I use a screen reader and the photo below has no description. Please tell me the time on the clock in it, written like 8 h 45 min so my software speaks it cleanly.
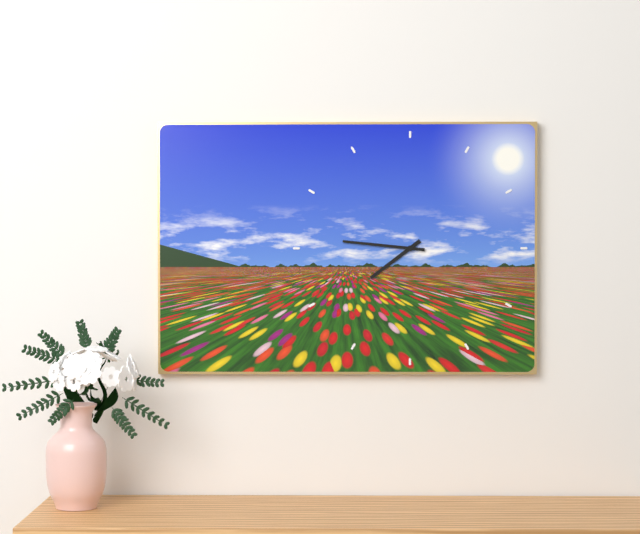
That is 7 h 46 min
